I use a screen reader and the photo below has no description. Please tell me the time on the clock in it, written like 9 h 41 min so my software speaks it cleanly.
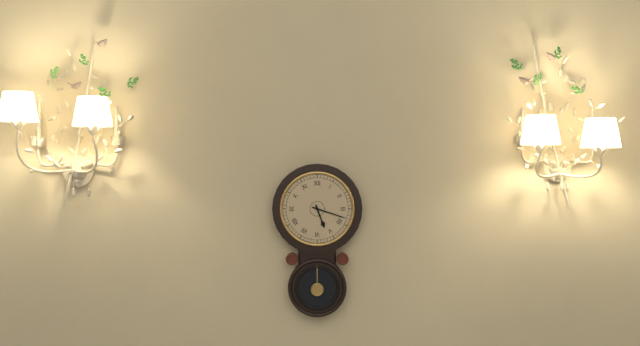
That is 5 h 18 min
